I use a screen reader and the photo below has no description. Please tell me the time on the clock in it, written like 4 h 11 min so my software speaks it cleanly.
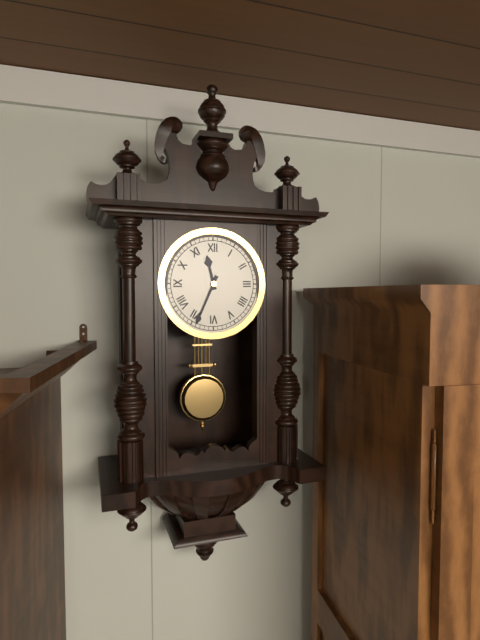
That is 11 h 34 min
